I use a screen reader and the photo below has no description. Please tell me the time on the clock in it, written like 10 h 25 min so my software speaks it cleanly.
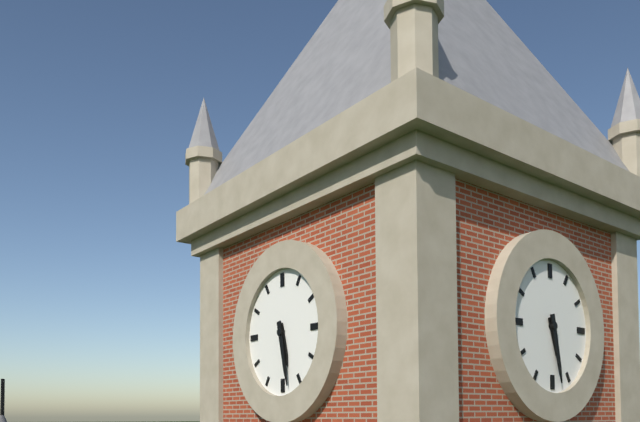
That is 5 h 28 min
